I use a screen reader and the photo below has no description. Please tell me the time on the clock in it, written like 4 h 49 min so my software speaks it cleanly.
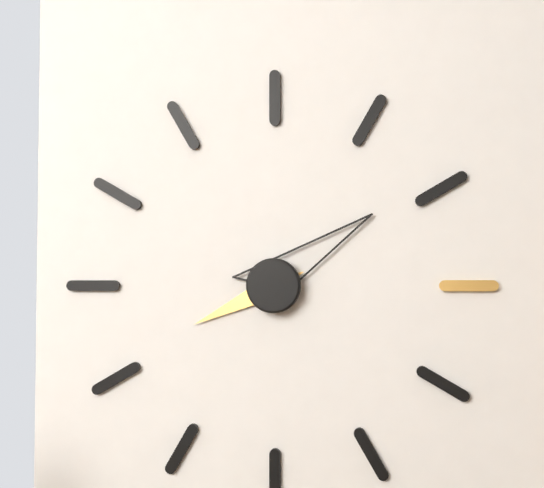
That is 8 h 09 min
